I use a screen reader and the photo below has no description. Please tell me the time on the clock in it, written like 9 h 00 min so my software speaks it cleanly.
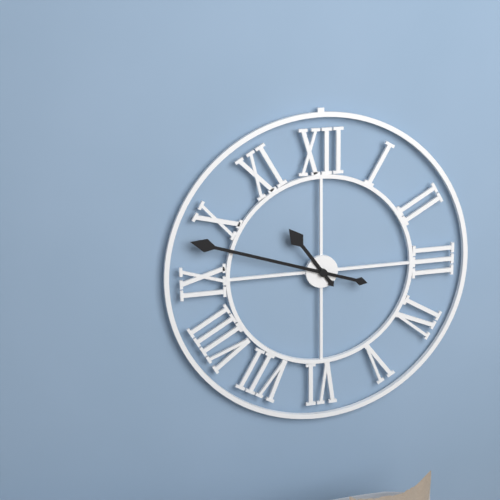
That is 10 h 48 min
